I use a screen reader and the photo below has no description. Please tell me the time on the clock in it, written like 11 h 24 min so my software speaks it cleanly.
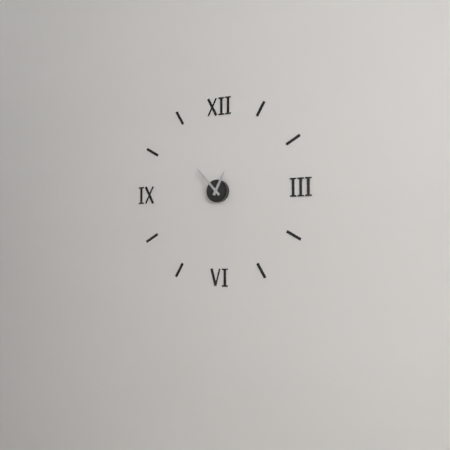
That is 12 h 53 min
